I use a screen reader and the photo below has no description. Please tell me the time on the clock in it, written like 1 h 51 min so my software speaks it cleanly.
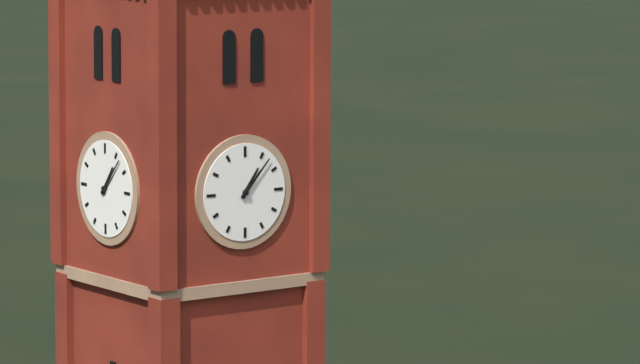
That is 1 h 07 min
